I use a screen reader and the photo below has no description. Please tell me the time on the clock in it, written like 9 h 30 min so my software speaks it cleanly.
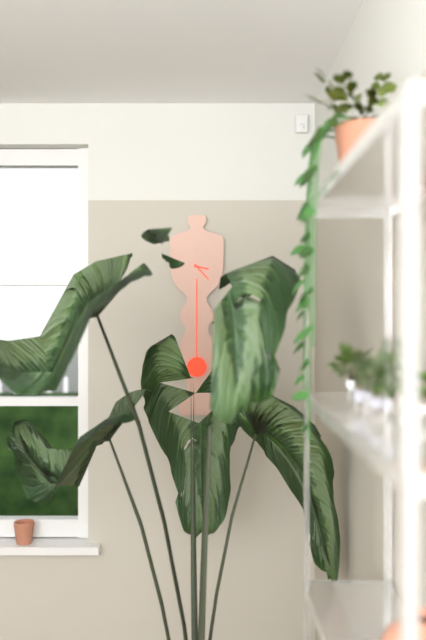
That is 3 h 23 min
